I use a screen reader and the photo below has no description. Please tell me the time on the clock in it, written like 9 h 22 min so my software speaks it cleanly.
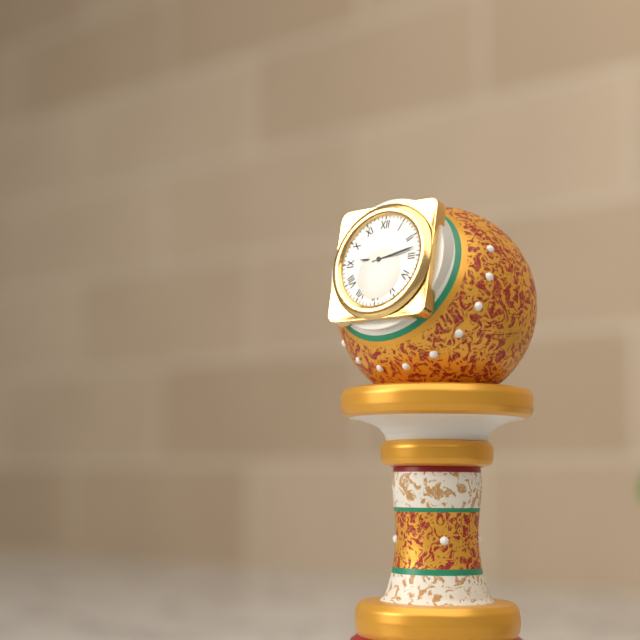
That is 9 h 13 min
